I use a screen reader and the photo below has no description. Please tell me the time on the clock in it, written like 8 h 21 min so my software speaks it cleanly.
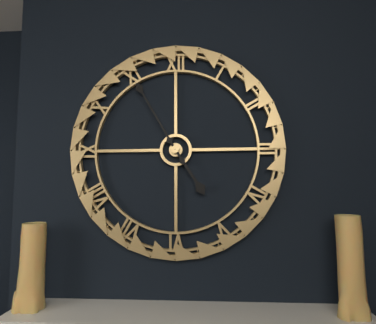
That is 4 h 55 min
